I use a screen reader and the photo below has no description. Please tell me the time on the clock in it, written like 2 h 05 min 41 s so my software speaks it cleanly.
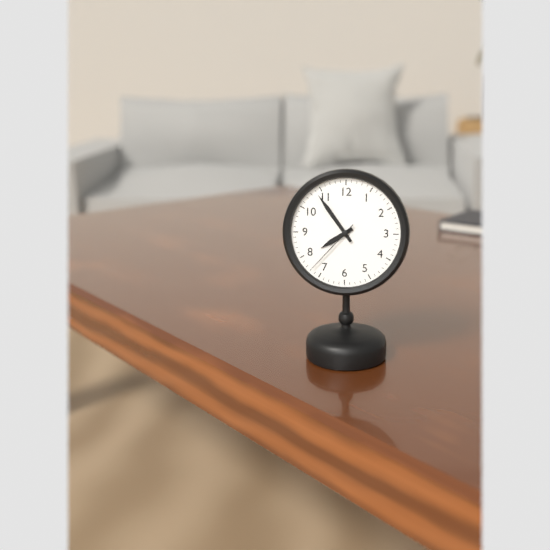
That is 7 h 54 min 37 s
